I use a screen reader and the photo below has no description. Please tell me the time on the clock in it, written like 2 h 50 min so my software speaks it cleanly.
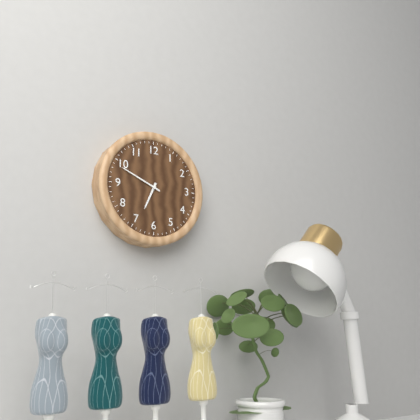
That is 6 h 49 min
